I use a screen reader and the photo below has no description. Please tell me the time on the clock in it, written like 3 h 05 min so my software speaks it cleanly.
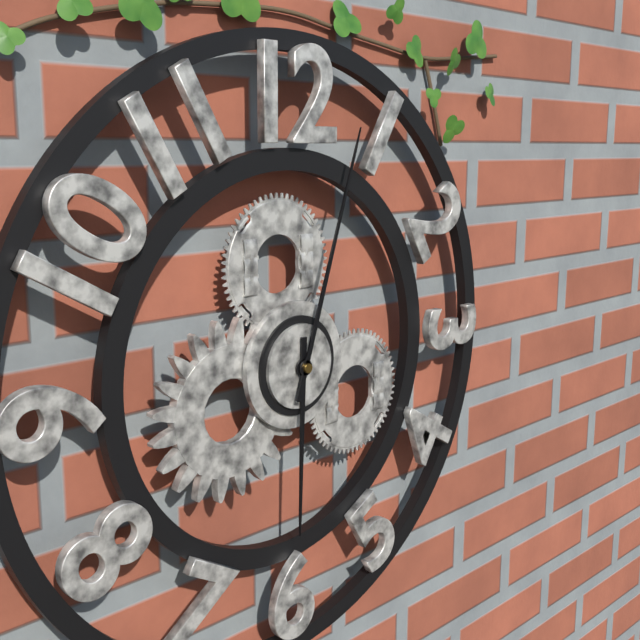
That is 6 h 03 min
